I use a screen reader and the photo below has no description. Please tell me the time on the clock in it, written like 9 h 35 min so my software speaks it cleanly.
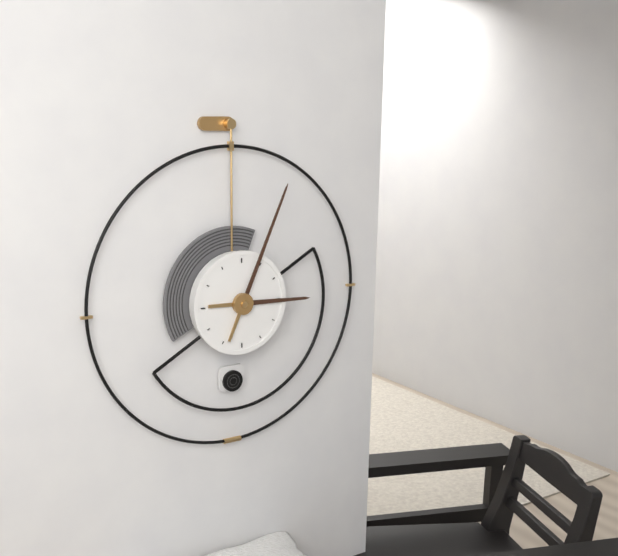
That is 3 h 04 min
